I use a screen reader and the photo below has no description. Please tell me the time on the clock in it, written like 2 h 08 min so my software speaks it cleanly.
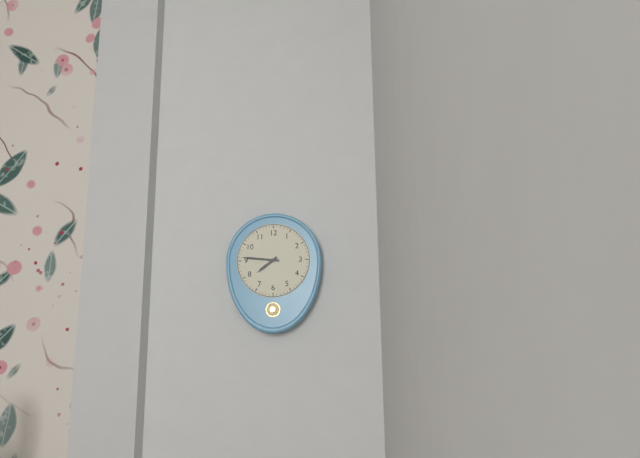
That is 7 h 46 min
